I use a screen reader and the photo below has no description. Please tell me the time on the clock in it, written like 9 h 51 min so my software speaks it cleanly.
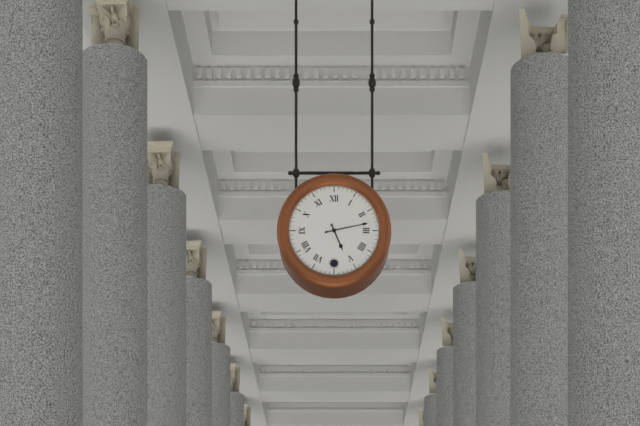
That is 5 h 13 min
